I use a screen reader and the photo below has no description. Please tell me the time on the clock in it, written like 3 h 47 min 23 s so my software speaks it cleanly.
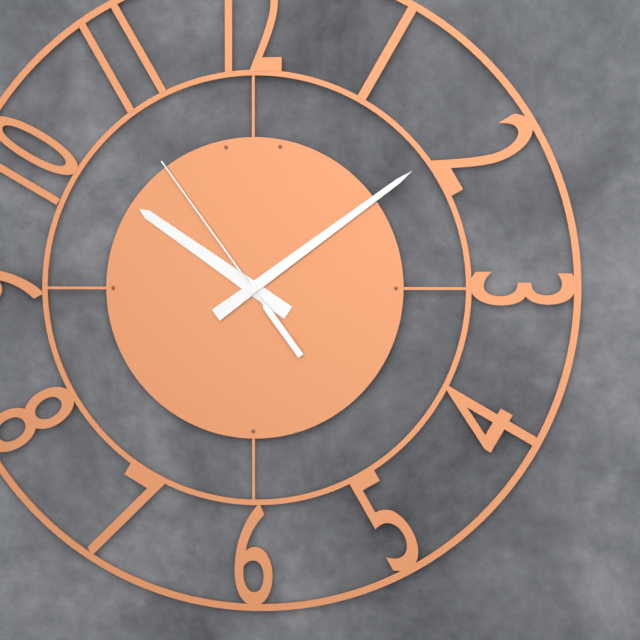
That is 10 h 09 min 54 s
